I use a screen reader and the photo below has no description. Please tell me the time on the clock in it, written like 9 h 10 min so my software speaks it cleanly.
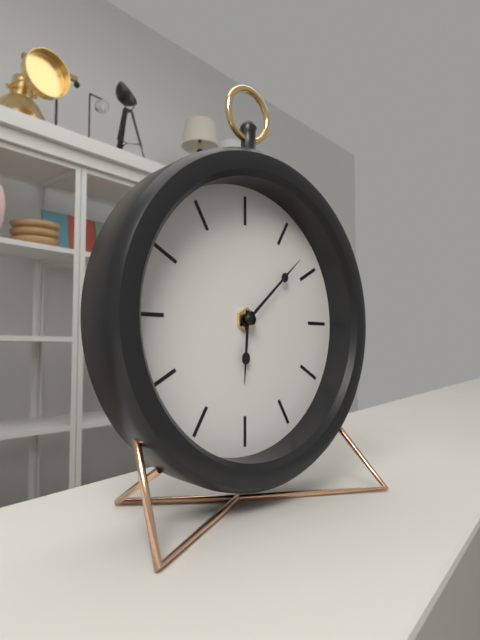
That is 6 h 08 min
